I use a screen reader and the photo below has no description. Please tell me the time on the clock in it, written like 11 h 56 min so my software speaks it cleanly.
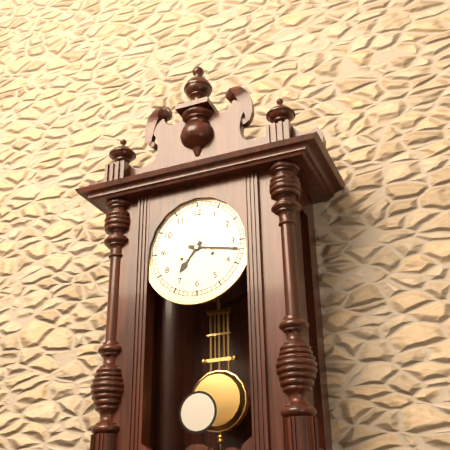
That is 7 h 17 min
